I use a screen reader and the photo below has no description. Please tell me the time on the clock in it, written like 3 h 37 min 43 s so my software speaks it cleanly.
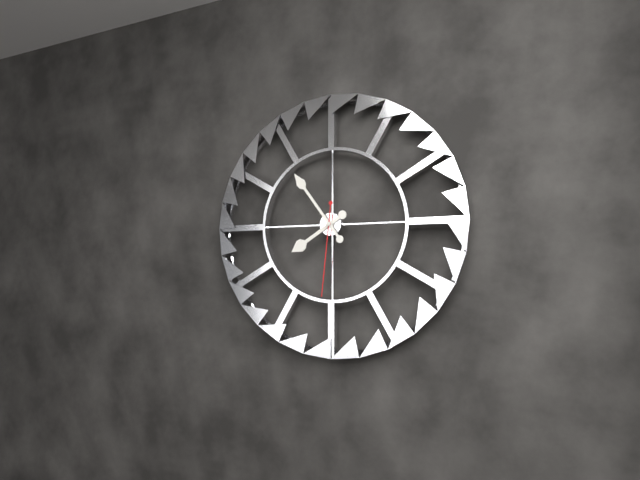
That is 7 h 54 min 31 s
